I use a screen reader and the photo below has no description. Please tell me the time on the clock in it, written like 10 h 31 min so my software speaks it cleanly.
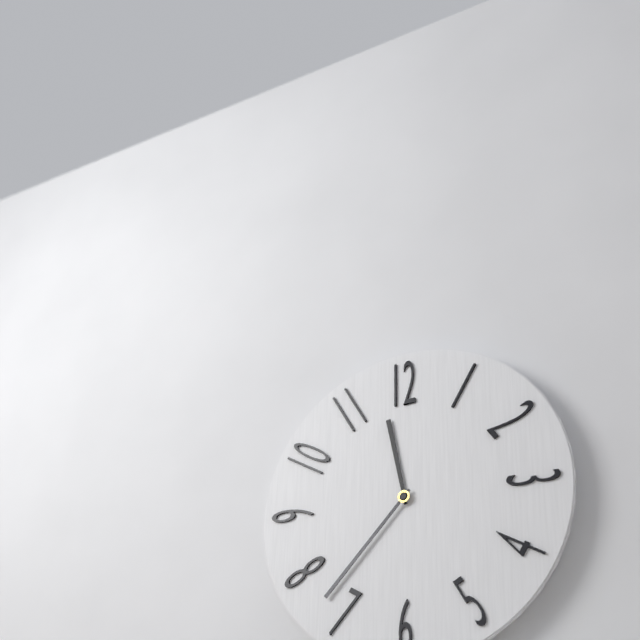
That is 11 h 37 min
